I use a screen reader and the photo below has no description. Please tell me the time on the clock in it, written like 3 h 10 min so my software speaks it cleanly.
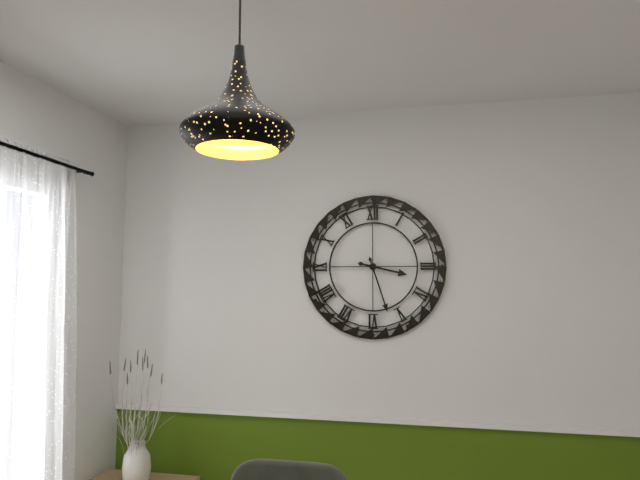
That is 3 h 27 min
